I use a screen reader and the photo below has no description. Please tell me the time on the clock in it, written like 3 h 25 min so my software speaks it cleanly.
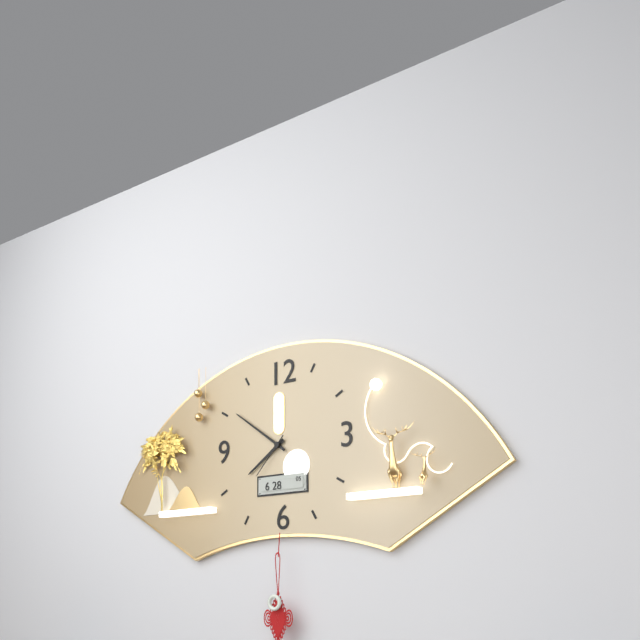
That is 7 h 51 min
